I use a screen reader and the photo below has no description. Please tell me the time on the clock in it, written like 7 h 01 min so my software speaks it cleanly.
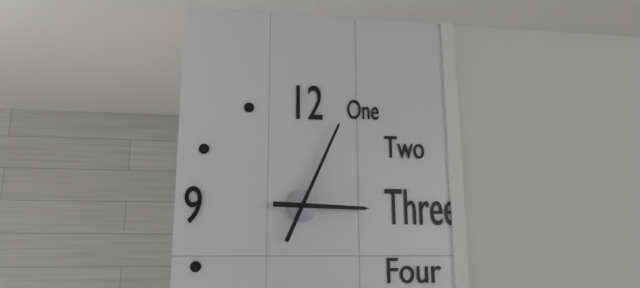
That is 3 h 04 min
